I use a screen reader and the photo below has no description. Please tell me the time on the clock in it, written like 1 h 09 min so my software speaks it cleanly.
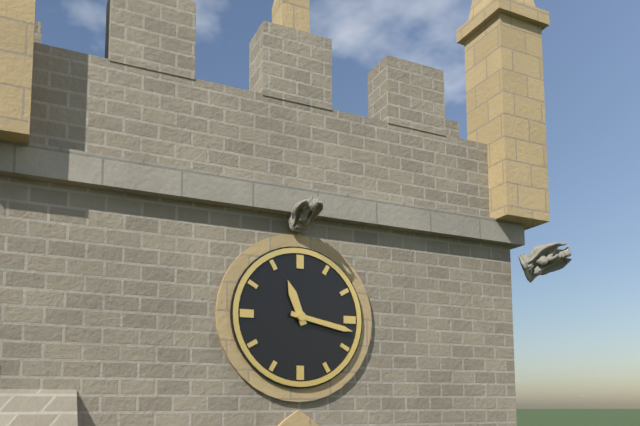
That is 11 h 17 min
